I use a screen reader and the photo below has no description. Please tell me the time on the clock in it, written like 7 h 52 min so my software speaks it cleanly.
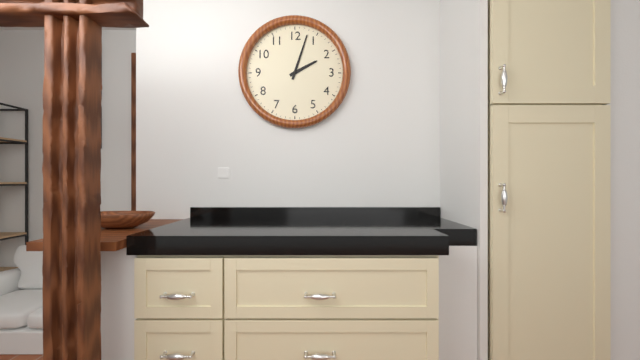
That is 2 h 03 min
